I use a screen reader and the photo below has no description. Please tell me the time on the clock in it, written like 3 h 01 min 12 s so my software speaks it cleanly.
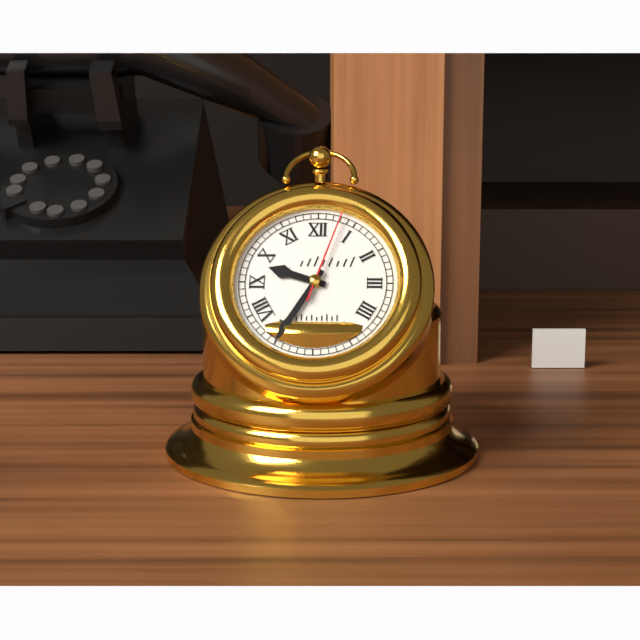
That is 9 h 35 min 03 s
